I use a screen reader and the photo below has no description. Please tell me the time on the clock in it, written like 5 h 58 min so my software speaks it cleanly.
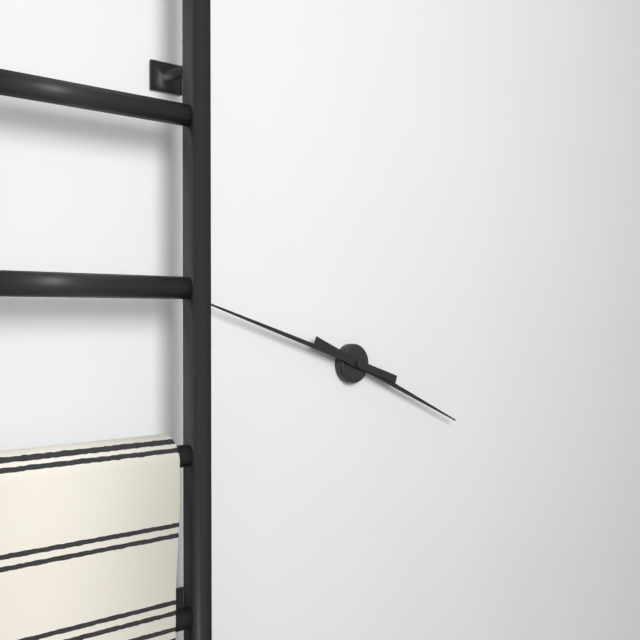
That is 3 h 48 min
